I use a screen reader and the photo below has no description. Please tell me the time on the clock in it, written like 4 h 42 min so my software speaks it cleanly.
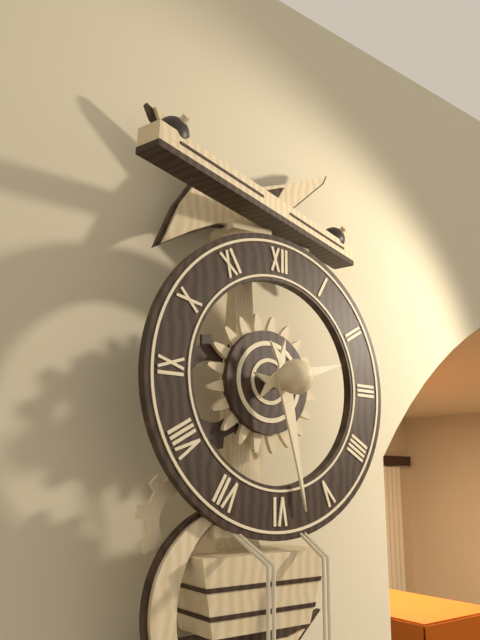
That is 2 h 28 min
